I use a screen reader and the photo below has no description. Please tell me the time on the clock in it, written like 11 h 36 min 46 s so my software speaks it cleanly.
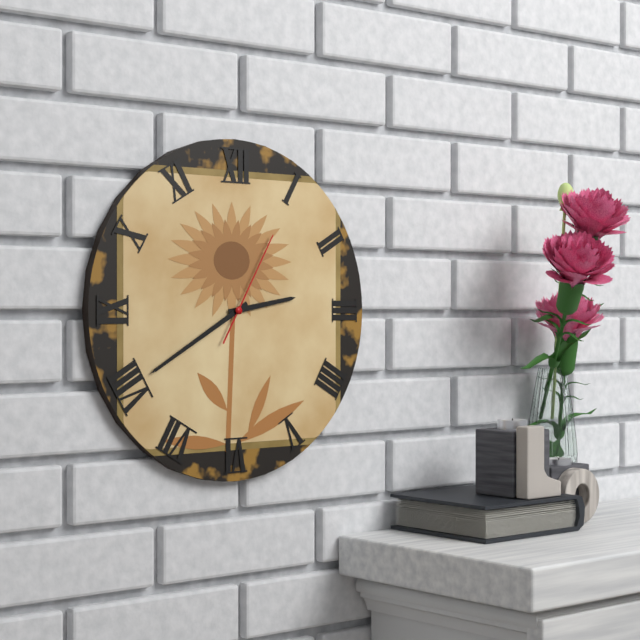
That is 2 h 40 min 05 s
